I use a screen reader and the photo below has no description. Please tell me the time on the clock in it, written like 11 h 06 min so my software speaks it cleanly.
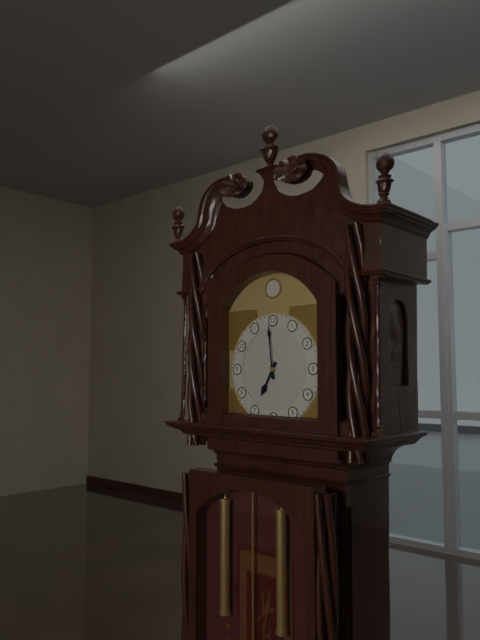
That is 6 h 59 min
